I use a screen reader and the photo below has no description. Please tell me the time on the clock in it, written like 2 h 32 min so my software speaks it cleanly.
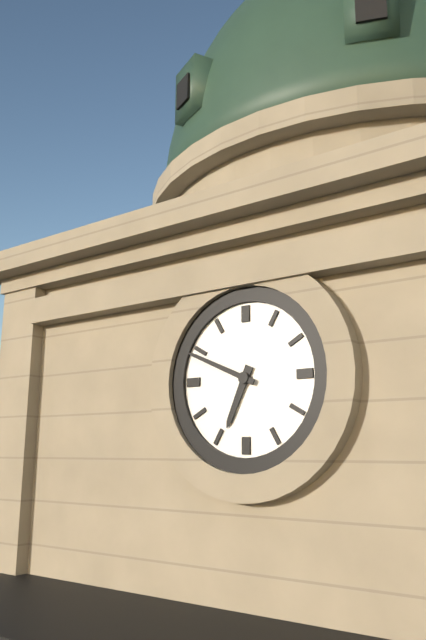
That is 6 h 49 min
